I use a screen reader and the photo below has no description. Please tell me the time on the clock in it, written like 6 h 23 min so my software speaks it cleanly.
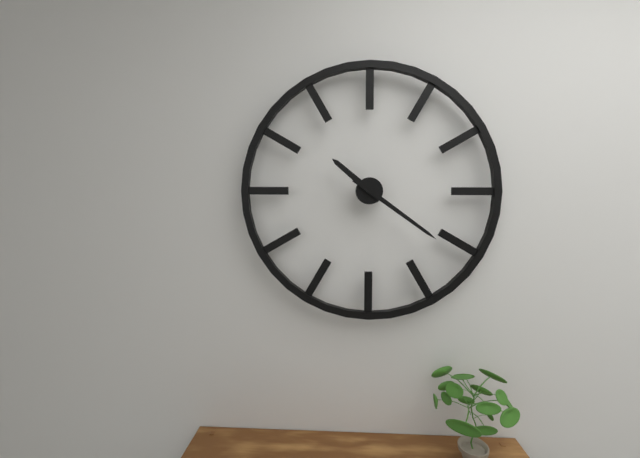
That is 10 h 21 min
